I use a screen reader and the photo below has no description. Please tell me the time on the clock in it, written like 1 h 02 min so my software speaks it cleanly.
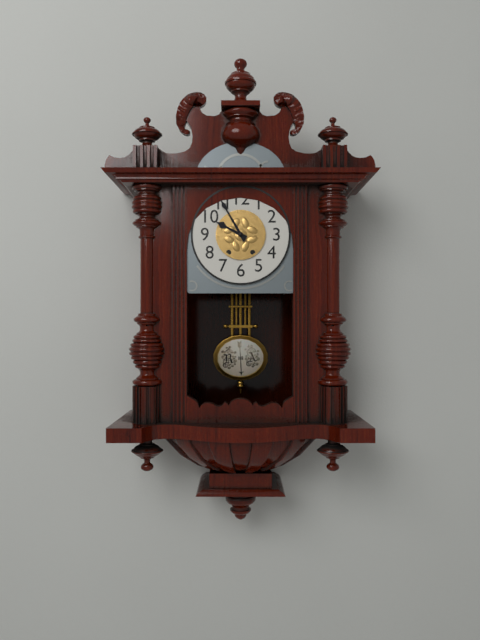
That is 9 h 55 min
